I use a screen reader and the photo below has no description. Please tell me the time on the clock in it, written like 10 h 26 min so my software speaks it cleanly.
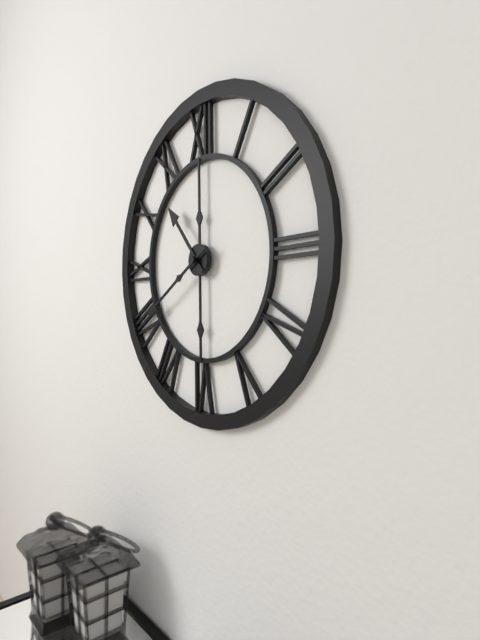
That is 10 h 40 min
